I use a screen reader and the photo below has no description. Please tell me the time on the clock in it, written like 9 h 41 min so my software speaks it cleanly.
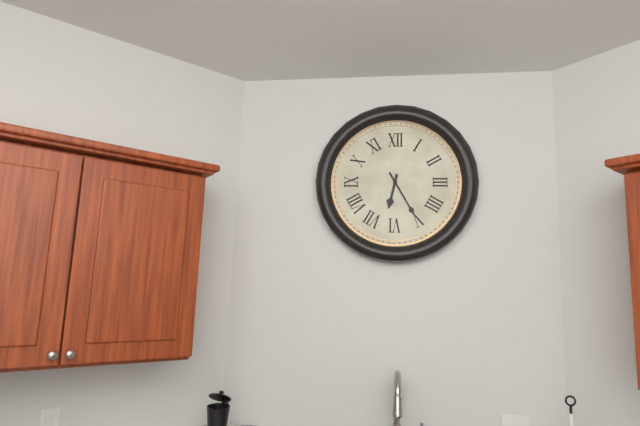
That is 6 h 25 min
